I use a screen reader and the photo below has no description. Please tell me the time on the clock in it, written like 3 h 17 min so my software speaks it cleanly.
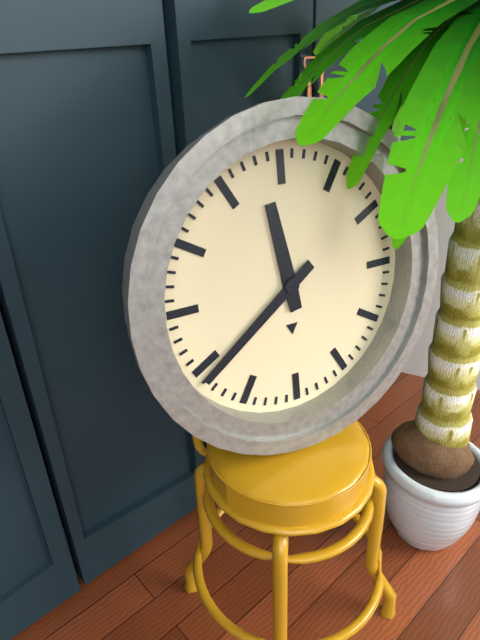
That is 11 h 39 min
